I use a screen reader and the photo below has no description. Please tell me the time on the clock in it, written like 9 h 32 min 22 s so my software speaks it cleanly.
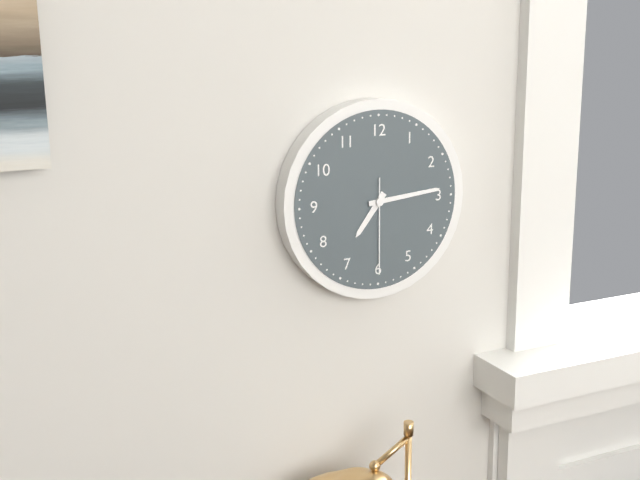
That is 7 h 14 min 30 s
